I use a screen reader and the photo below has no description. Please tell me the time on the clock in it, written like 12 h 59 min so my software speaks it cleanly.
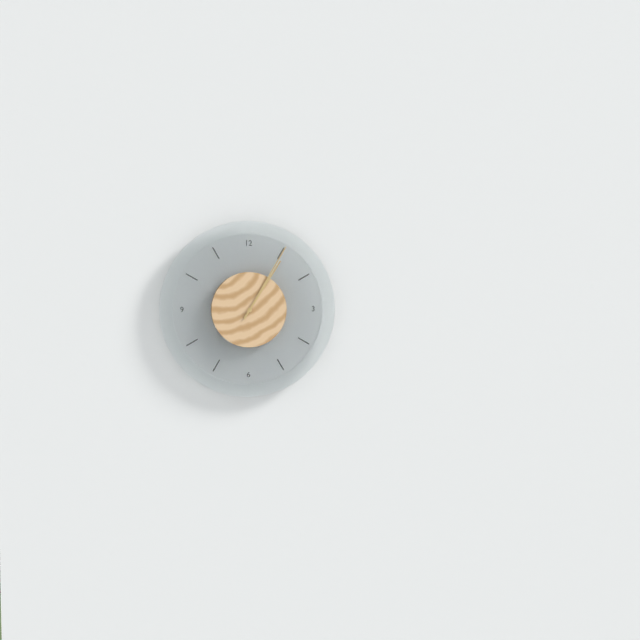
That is 1 h 05 min
